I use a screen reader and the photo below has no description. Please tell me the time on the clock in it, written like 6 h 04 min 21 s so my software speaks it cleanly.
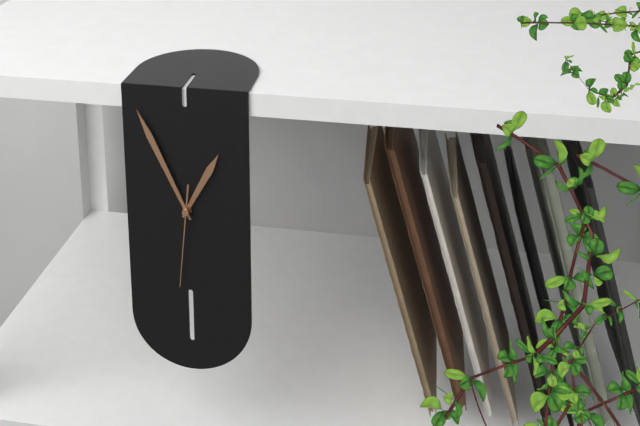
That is 12 h 56 min 31 s
